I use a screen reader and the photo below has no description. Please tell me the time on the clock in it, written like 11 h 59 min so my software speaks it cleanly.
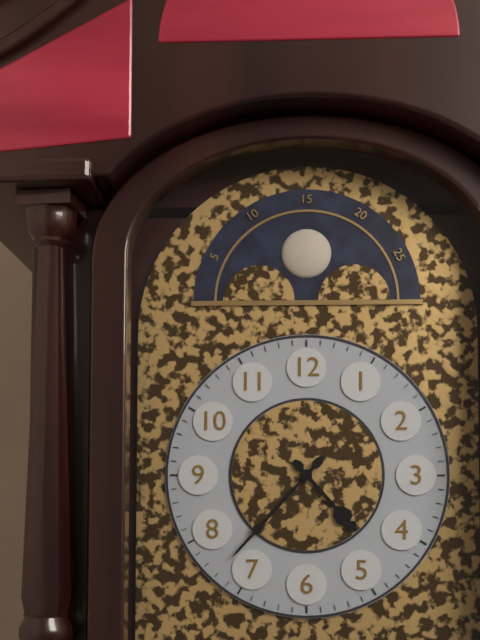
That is 4 h 37 min
